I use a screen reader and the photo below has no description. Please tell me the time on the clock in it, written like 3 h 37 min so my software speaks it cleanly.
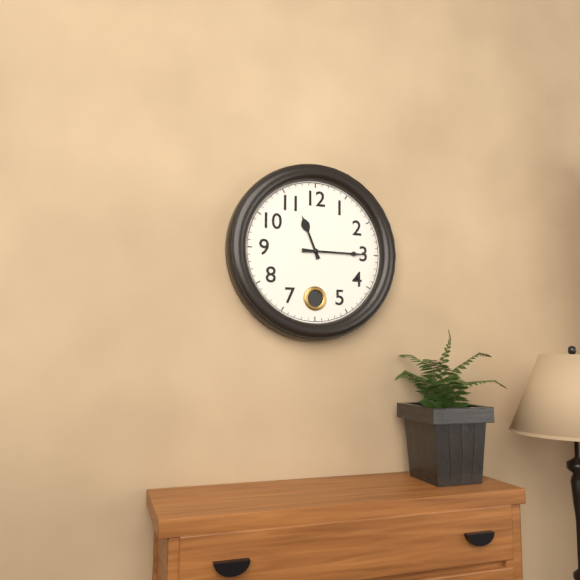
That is 11 h 15 min
